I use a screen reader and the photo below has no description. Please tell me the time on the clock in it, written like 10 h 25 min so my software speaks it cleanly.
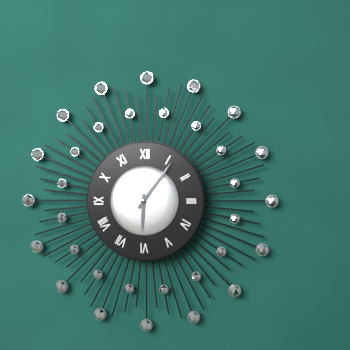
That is 6 h 06 min
